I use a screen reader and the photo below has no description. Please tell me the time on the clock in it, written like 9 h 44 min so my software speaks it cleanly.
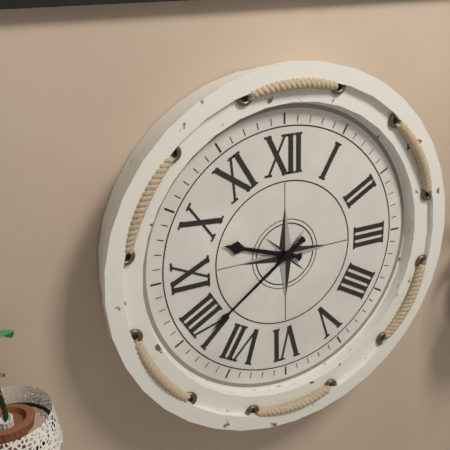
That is 9 h 39 min
